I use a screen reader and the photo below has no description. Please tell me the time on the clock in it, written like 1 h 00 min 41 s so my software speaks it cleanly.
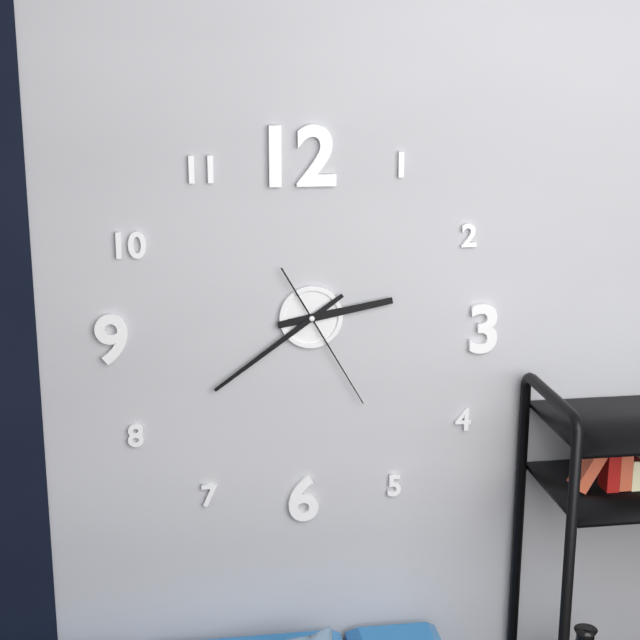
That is 2 h 39 min 25 s
